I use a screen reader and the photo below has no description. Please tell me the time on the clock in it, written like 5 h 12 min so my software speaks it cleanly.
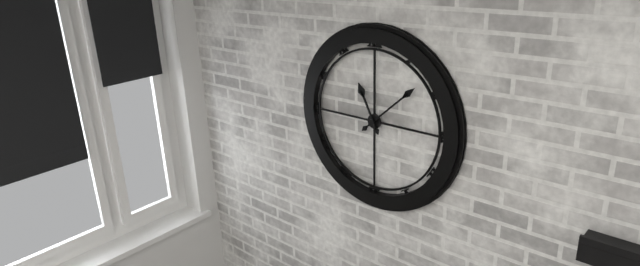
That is 11 h 08 min
